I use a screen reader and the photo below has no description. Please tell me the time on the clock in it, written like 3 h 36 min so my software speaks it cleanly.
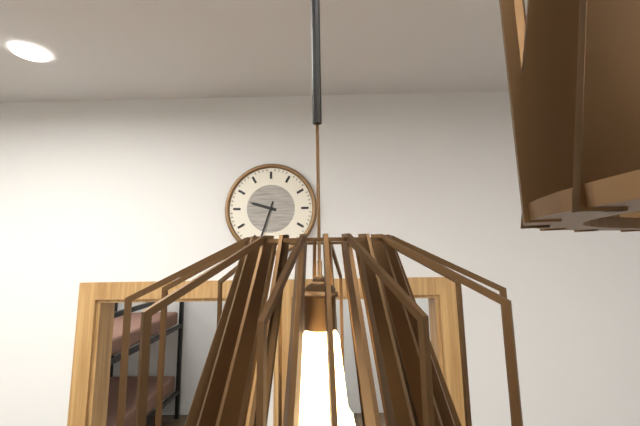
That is 9 h 33 min
